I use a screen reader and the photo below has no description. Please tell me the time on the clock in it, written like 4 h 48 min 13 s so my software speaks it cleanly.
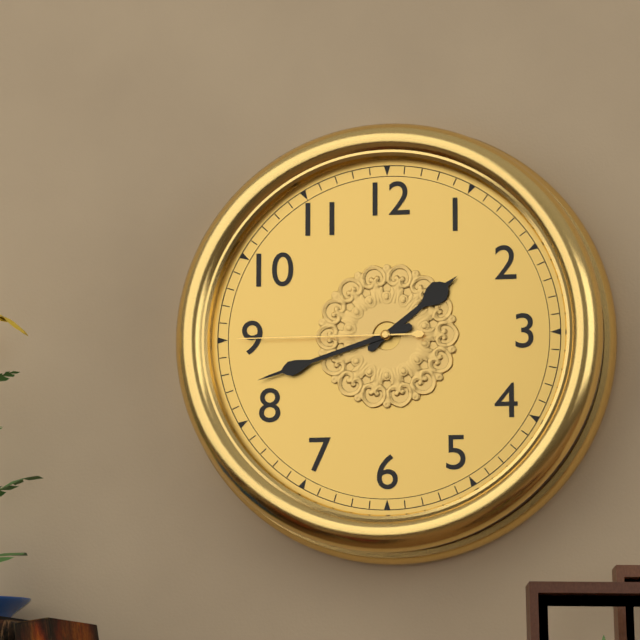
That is 1 h 42 min 45 s
